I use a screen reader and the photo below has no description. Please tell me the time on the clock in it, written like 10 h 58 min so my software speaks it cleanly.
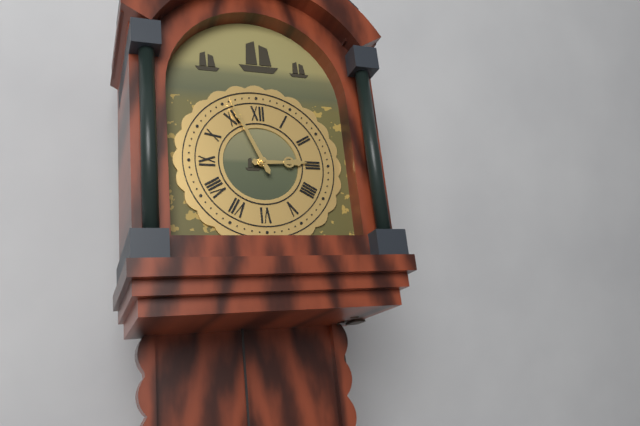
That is 2 h 56 min
